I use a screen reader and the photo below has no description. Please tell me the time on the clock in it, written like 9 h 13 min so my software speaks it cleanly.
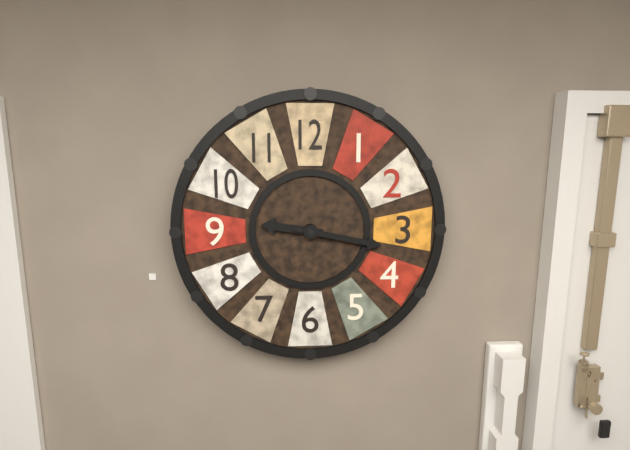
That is 9 h 17 min
